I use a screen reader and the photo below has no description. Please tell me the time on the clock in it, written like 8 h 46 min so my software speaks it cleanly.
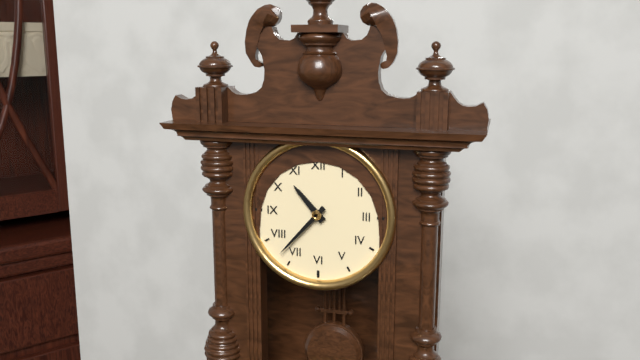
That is 10 h 37 min
